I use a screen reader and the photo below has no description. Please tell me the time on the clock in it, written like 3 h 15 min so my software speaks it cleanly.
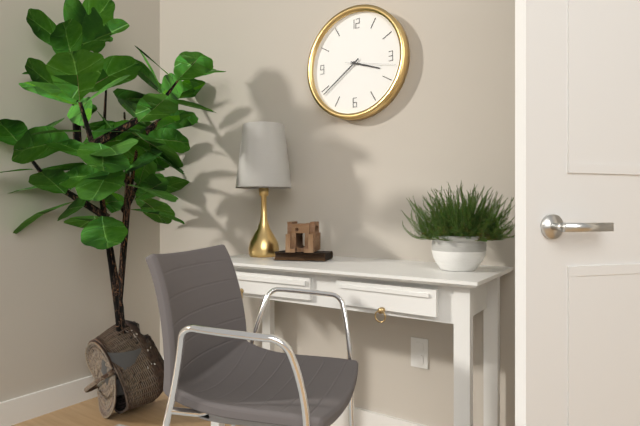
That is 3 h 39 min
